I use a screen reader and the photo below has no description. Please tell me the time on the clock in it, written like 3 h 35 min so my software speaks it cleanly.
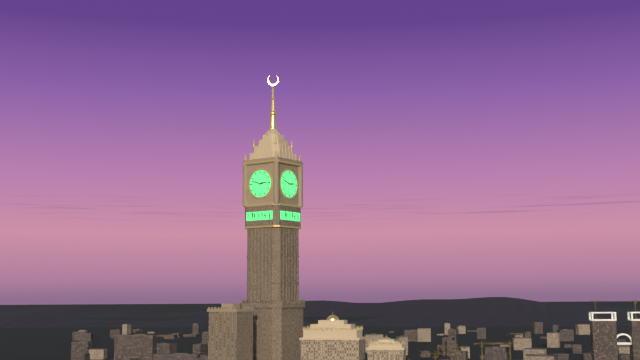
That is 2 h 48 min
